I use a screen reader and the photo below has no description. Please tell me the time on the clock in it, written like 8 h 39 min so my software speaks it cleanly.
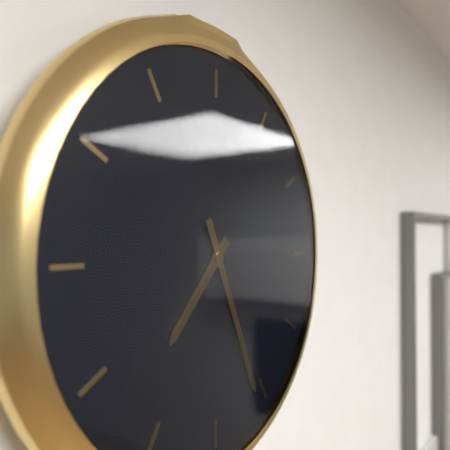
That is 7 h 26 min
